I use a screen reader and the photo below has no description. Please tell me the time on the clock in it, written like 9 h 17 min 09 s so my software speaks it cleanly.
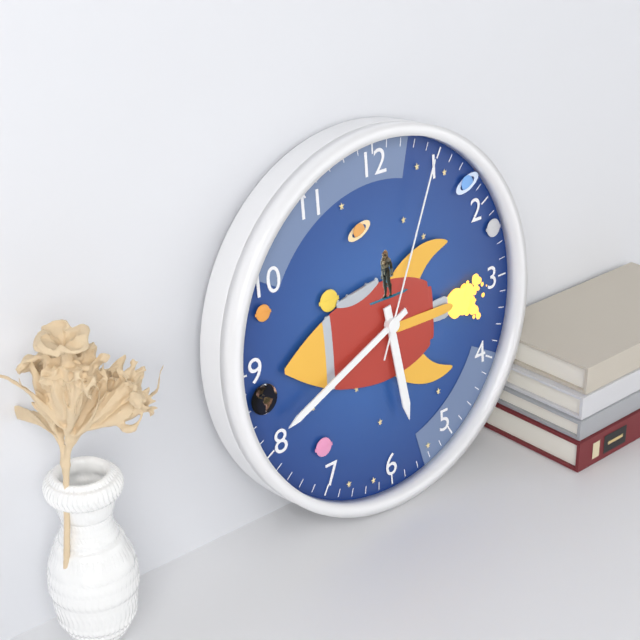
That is 5 h 41 min 04 s
